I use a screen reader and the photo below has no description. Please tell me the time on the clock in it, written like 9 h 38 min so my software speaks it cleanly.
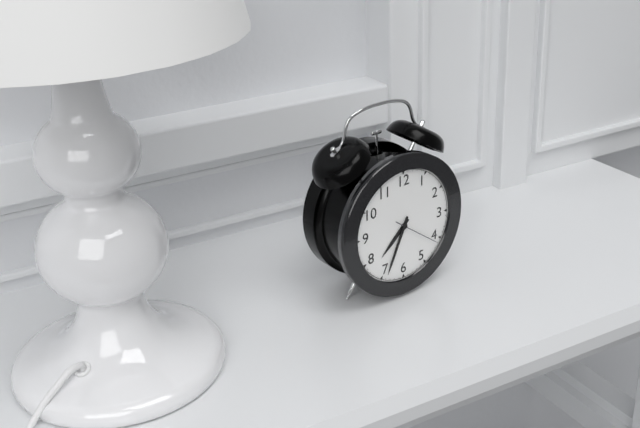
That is 7 h 34 min
